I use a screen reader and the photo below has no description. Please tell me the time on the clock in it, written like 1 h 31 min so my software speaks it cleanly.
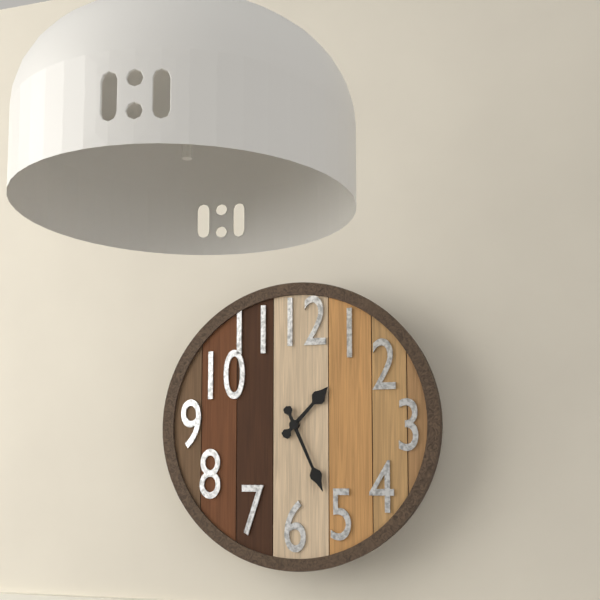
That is 1 h 26 min
